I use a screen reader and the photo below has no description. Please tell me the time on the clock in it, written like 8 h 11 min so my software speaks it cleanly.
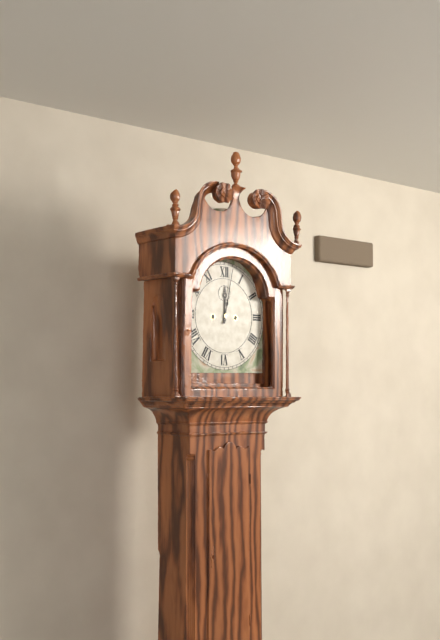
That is 12 h 02 min
